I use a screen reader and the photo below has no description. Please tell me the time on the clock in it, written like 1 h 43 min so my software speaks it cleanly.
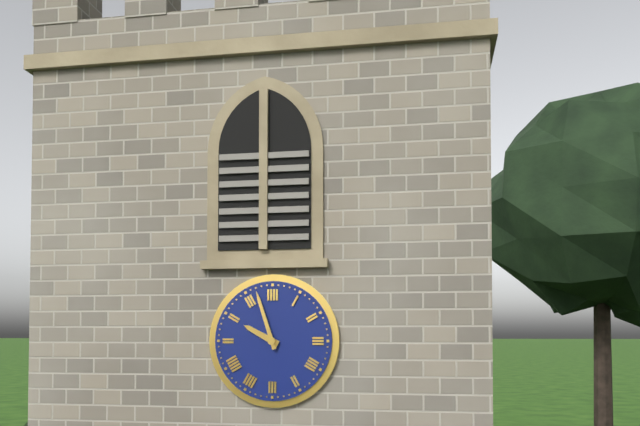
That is 9 h 57 min
